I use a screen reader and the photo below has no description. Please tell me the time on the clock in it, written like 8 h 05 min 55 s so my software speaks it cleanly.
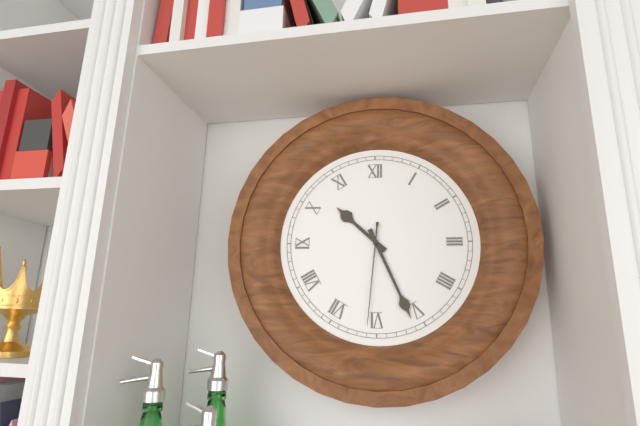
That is 10 h 26 min 31 s
